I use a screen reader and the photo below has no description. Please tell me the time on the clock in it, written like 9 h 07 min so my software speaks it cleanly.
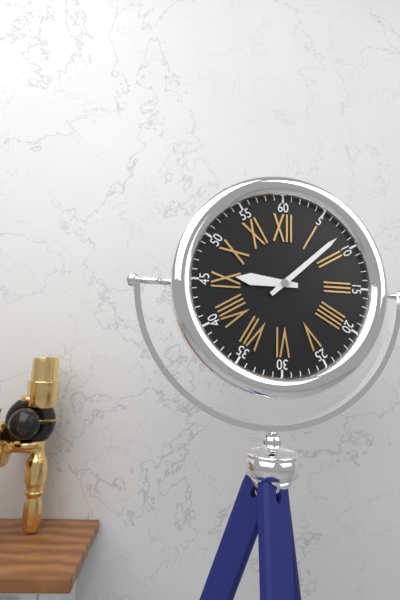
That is 9 h 08 min
